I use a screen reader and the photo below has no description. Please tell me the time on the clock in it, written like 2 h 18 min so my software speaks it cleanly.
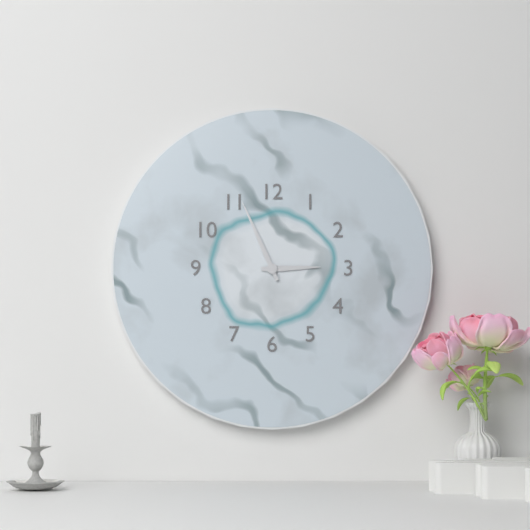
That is 2 h 56 min
